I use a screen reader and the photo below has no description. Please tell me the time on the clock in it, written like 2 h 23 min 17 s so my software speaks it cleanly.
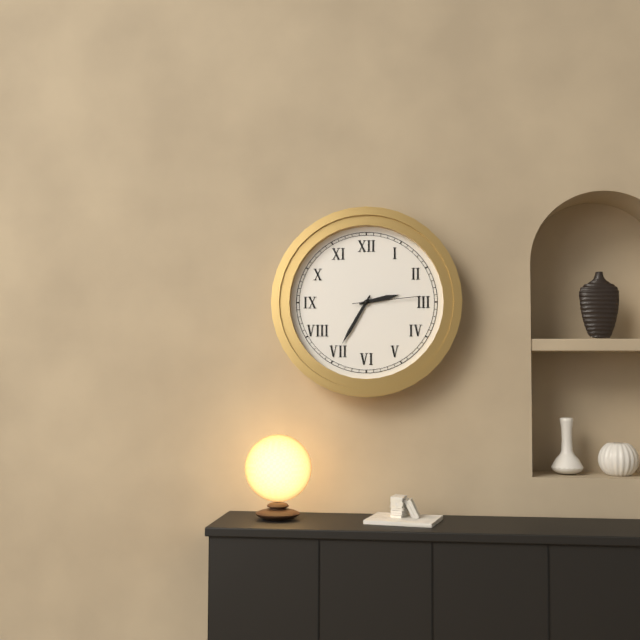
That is 2 h 35 min 14 s
